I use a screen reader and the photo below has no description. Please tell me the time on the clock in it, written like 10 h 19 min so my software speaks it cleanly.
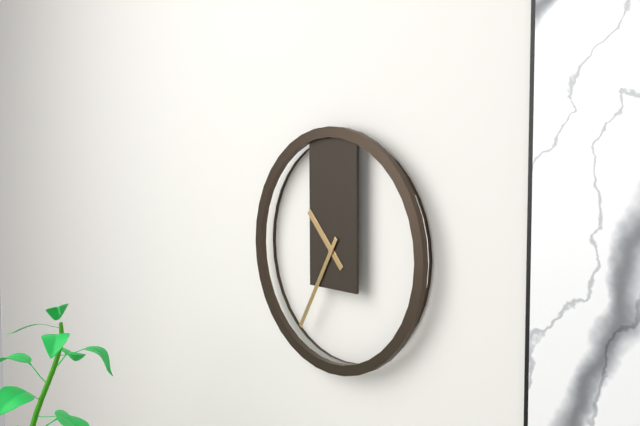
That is 10 h 35 min
